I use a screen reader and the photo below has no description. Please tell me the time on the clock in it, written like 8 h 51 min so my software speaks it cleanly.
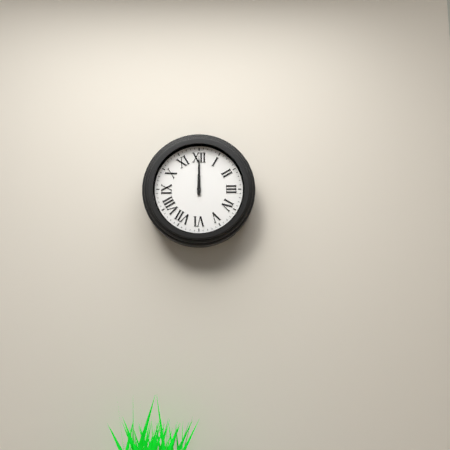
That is 12 h 00 min
